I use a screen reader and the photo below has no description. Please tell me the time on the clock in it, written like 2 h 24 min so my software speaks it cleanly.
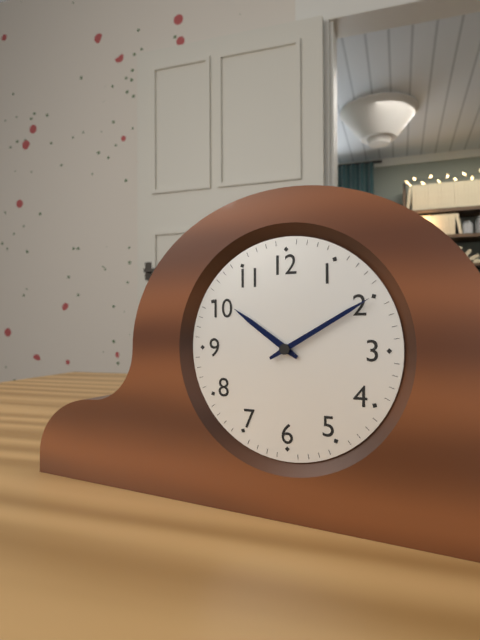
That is 10 h 10 min
